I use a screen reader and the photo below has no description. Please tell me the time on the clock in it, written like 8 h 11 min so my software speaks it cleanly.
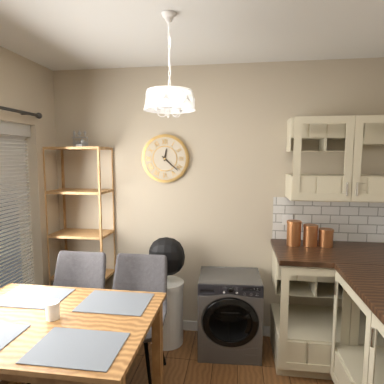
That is 12 h 22 min
